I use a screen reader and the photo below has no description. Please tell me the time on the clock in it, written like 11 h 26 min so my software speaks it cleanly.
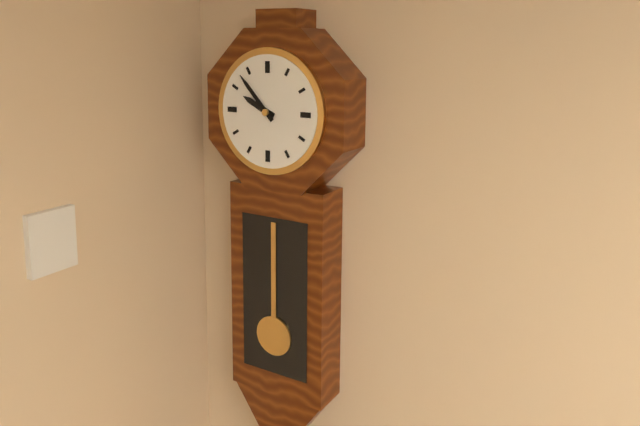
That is 9 h 53 min
